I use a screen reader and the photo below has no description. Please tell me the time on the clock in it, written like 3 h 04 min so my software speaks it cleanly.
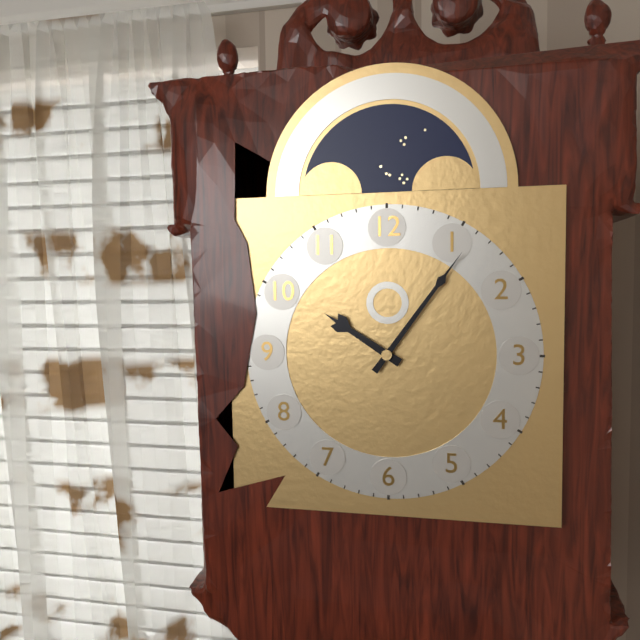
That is 10 h 06 min
